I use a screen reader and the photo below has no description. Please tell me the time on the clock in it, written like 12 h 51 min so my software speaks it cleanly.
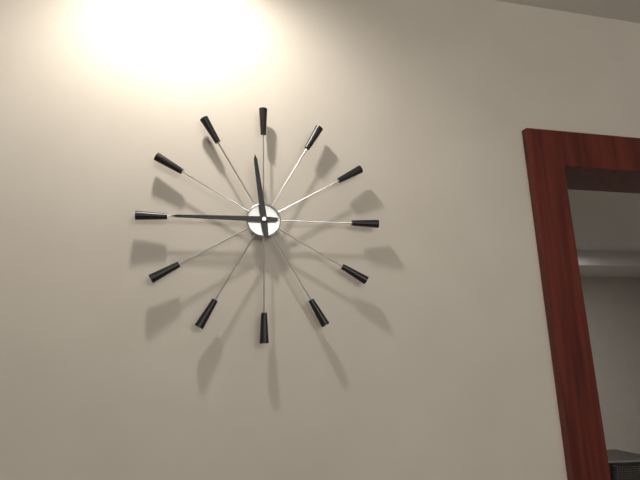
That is 11 h 45 min
